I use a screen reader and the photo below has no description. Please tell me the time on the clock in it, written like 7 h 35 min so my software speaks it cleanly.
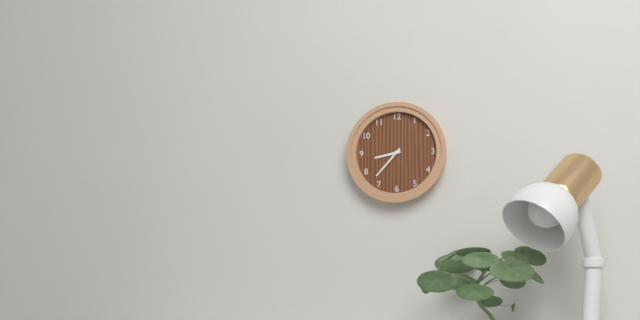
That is 8 h 37 min
